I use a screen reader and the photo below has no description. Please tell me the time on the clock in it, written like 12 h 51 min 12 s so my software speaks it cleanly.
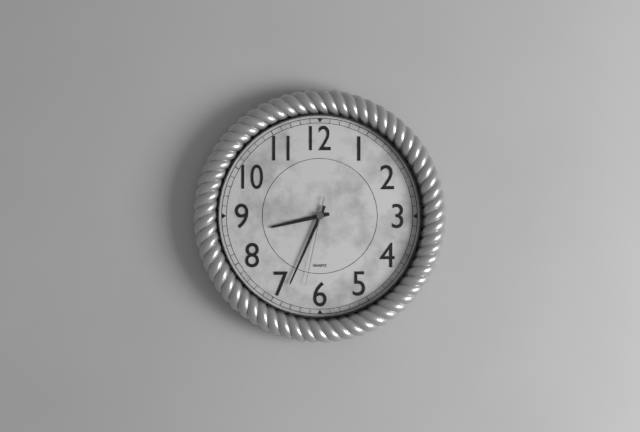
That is 8 h 34 min 32 s
